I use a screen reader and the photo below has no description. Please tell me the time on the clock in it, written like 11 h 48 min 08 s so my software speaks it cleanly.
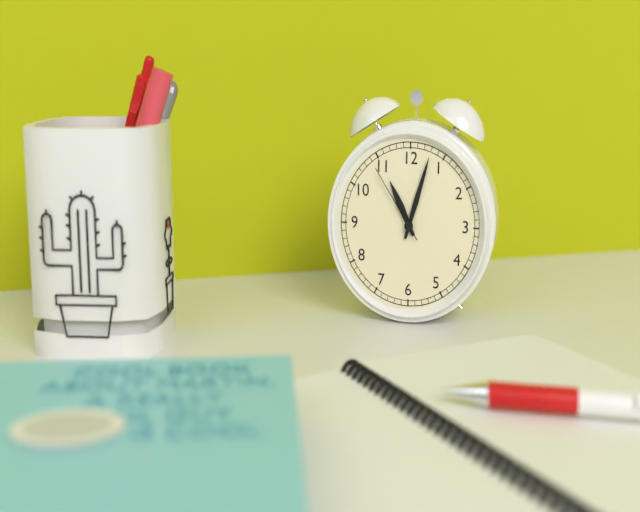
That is 11 h 03 min 54 s
